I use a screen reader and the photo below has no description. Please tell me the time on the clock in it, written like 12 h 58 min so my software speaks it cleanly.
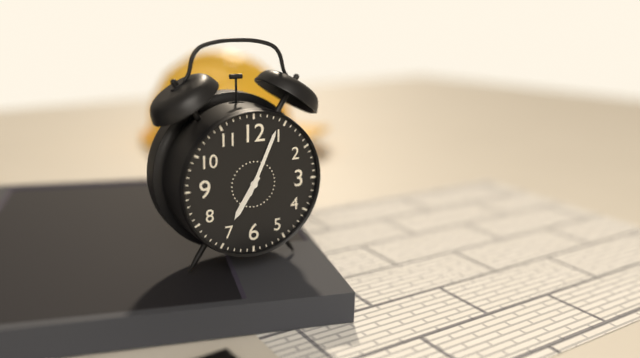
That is 7 h 04 min
